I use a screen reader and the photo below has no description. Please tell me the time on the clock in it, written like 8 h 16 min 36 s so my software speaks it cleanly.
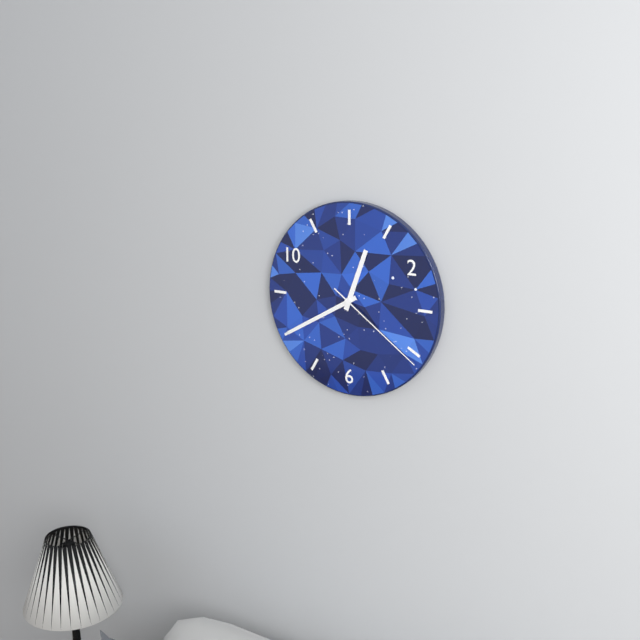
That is 12 h 40 min 21 s
